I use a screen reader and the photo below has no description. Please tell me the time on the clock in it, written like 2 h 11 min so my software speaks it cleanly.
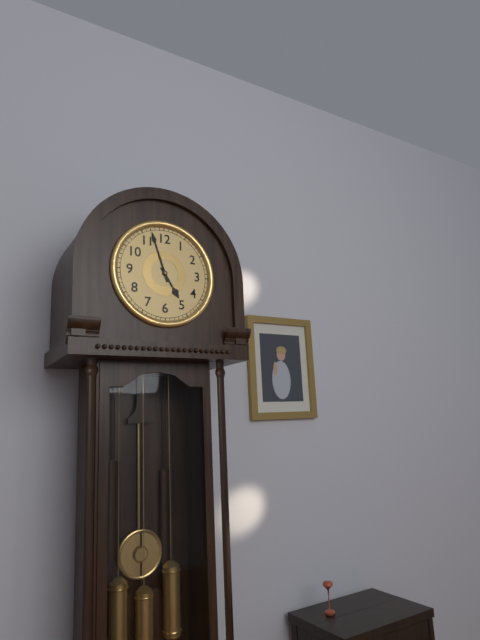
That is 4 h 57 min
